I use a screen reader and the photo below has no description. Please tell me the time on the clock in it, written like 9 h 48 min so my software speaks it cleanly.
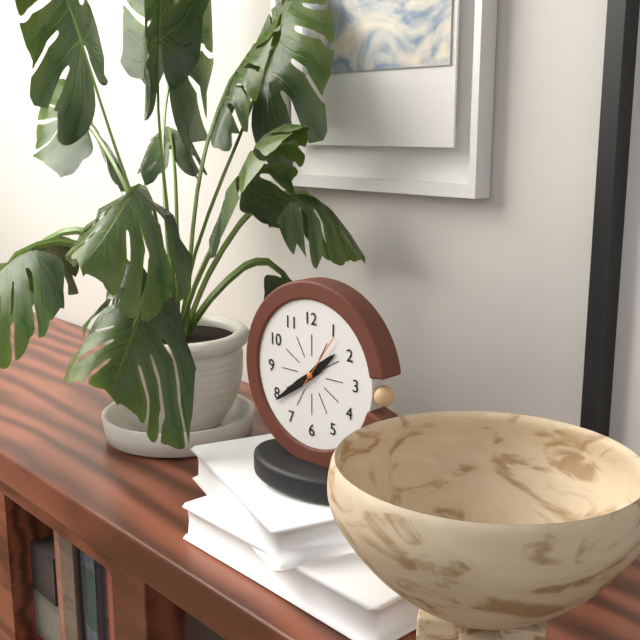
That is 1 h 39 min
